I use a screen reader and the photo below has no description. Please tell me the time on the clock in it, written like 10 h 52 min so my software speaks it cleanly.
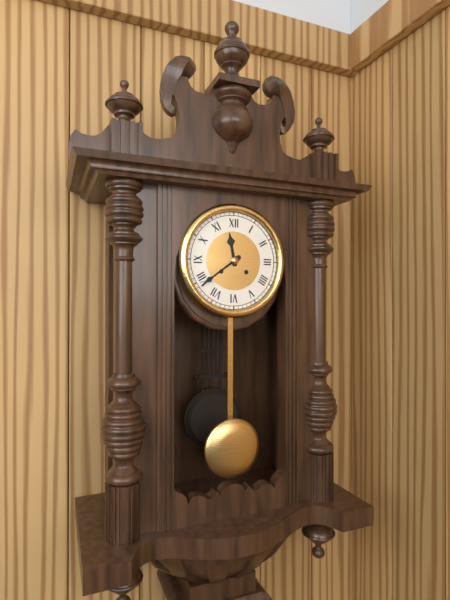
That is 11 h 39 min
